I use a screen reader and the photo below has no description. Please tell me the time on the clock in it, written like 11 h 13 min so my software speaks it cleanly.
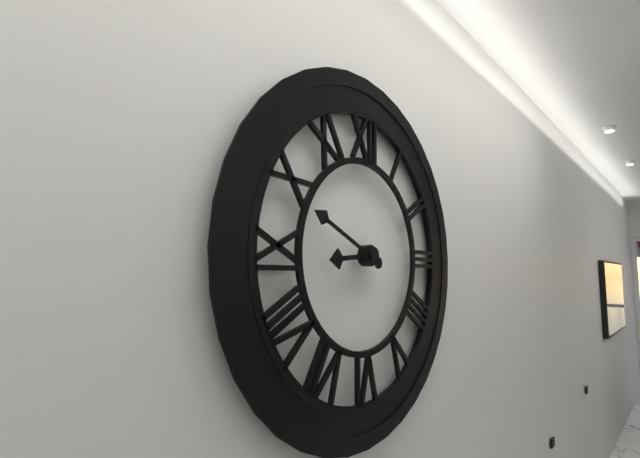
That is 8 h 49 min
